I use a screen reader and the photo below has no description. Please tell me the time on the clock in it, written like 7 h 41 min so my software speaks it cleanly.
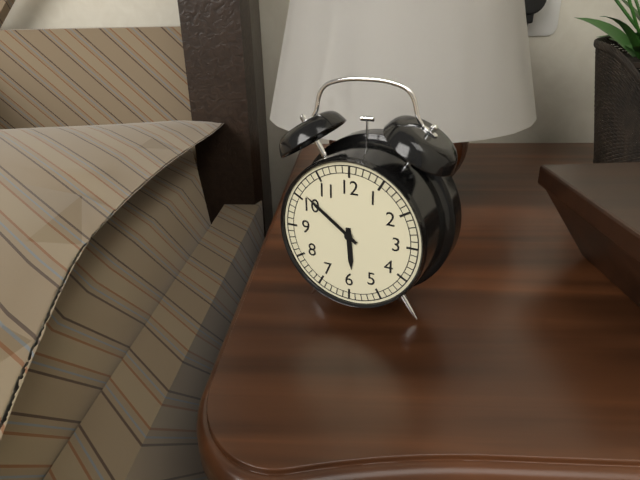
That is 5 h 51 min
